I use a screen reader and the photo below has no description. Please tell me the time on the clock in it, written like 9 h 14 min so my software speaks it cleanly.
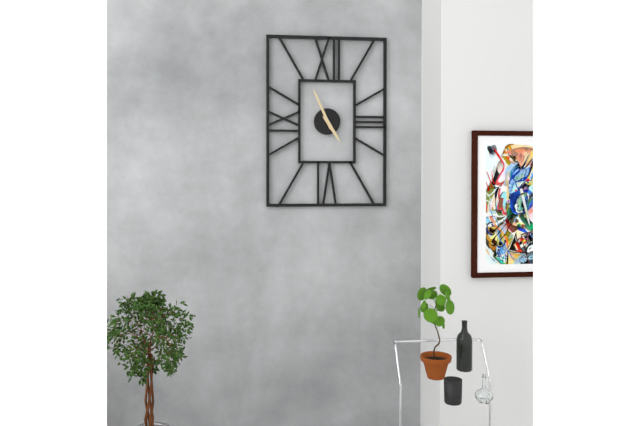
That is 4 h 56 min
